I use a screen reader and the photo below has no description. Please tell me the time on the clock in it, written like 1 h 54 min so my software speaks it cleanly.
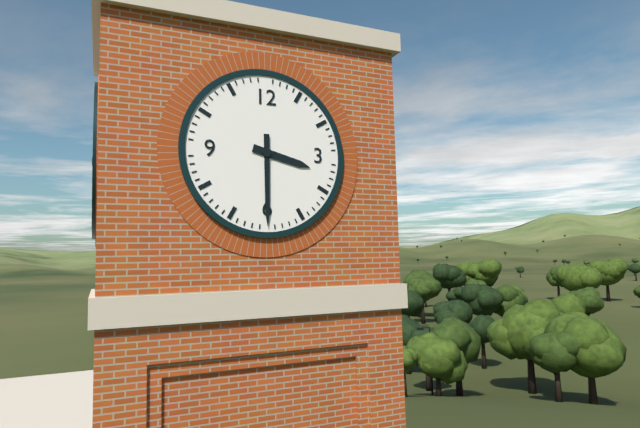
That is 3 h 30 min
